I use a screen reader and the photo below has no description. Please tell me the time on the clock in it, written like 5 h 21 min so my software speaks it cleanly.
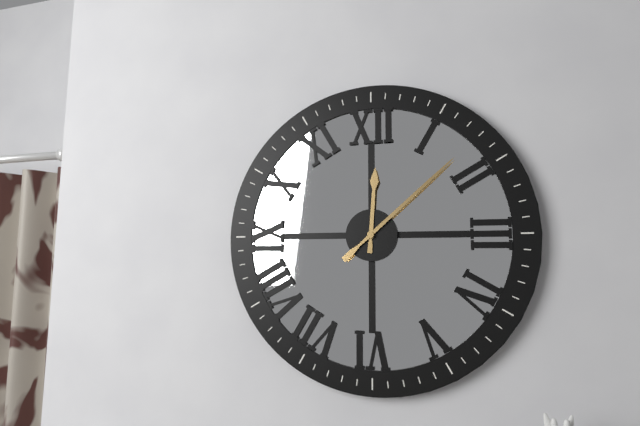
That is 12 h 08 min
